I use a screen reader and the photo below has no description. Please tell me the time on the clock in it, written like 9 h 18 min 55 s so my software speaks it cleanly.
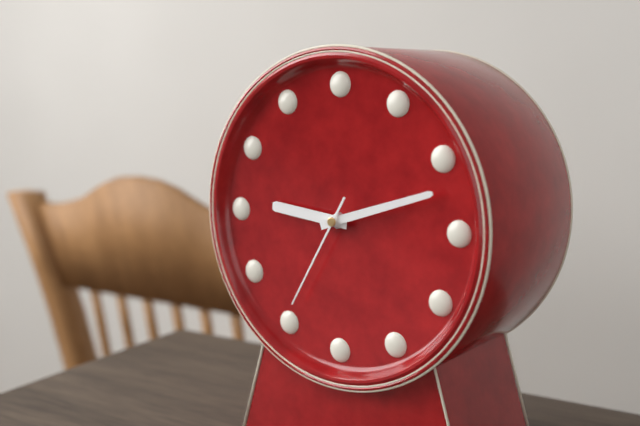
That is 9 h 12 min 35 s
